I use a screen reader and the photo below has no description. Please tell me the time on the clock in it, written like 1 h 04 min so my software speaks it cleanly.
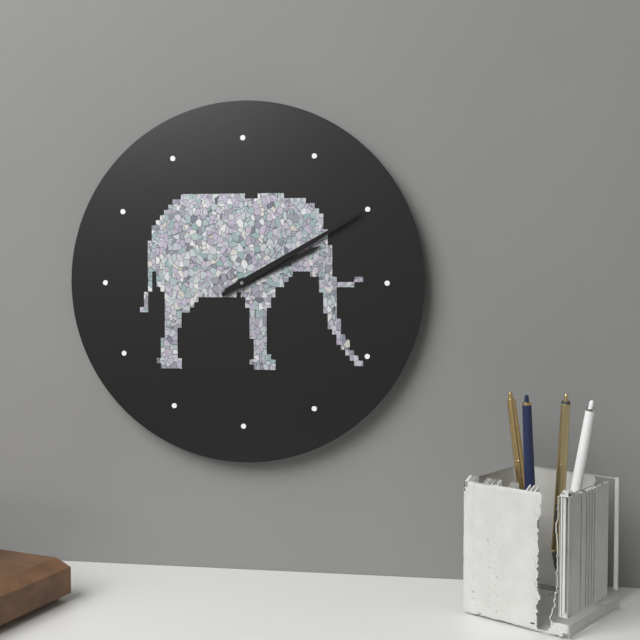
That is 2 h 10 min
